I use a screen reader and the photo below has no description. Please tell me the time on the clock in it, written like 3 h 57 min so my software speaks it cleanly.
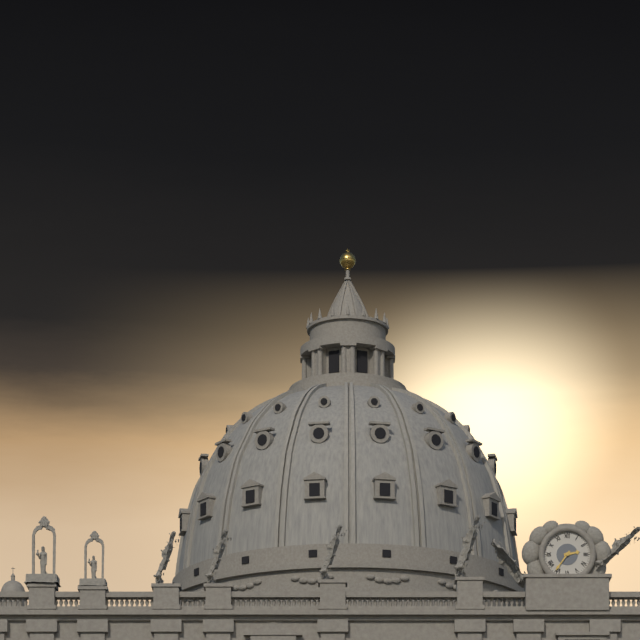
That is 2 h 36 min
